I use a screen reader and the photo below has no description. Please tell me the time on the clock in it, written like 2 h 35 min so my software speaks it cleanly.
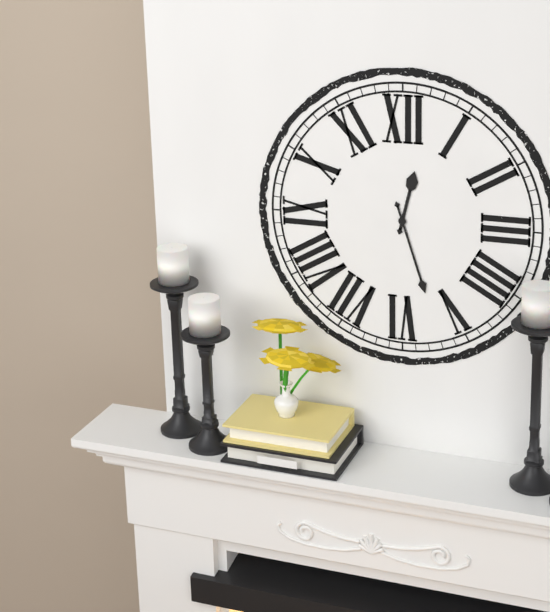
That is 12 h 27 min
